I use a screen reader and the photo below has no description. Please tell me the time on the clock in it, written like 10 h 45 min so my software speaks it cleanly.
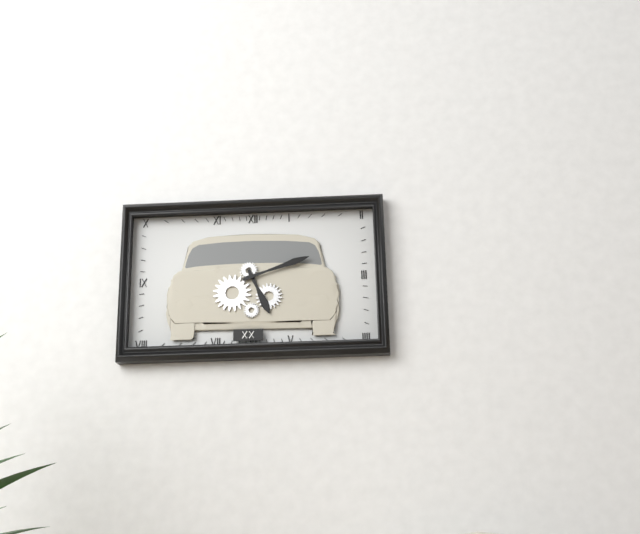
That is 5 h 12 min
